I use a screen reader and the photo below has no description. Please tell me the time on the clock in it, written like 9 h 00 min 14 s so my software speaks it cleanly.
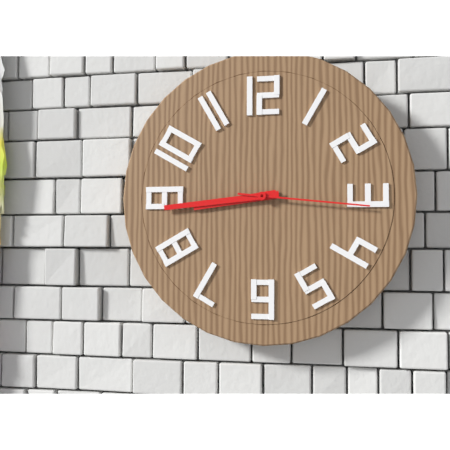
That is 8 h 44 min 16 s
